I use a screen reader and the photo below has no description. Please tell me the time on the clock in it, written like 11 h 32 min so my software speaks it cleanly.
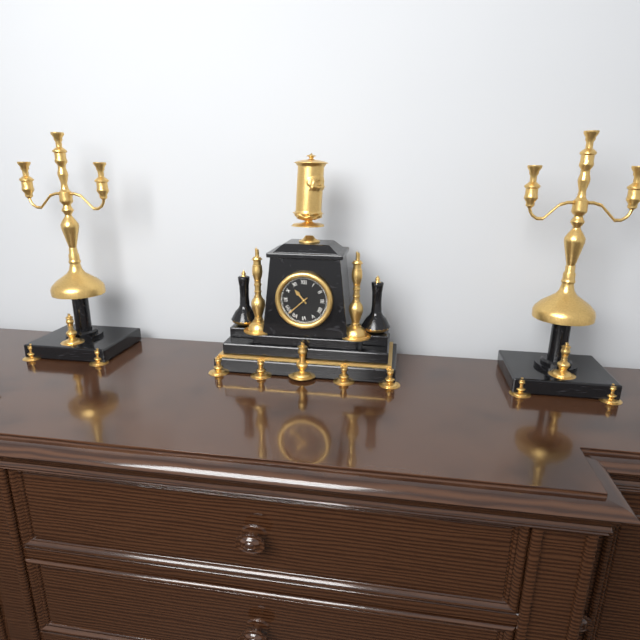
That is 10 h 38 min
